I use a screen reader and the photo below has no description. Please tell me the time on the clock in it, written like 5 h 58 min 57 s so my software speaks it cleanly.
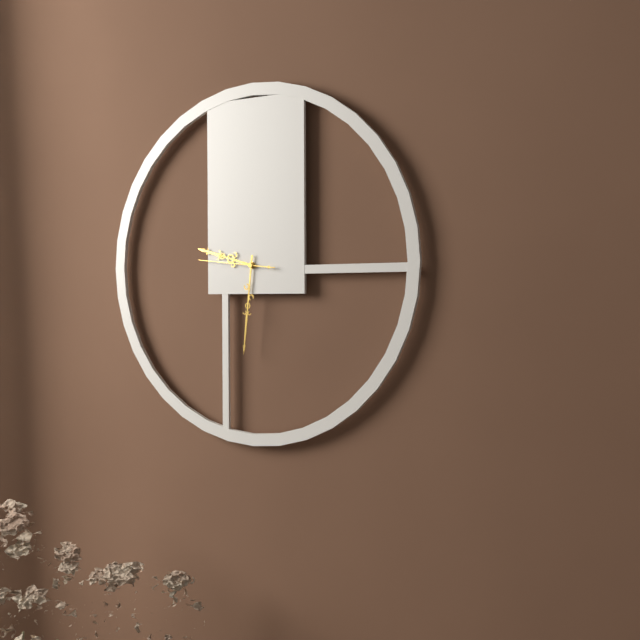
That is 9 h 31 min 46 s
